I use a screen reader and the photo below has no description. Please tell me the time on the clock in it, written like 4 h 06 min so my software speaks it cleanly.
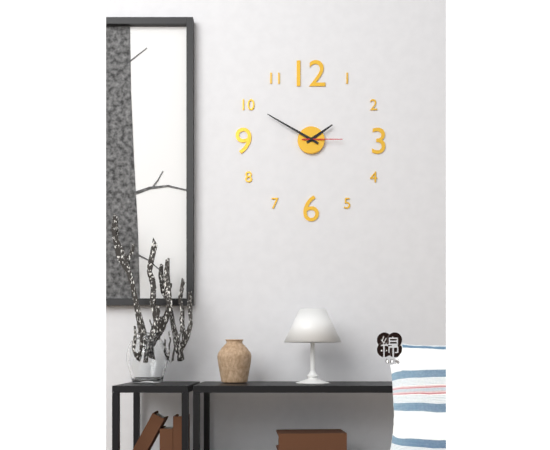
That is 1 h 50 min
